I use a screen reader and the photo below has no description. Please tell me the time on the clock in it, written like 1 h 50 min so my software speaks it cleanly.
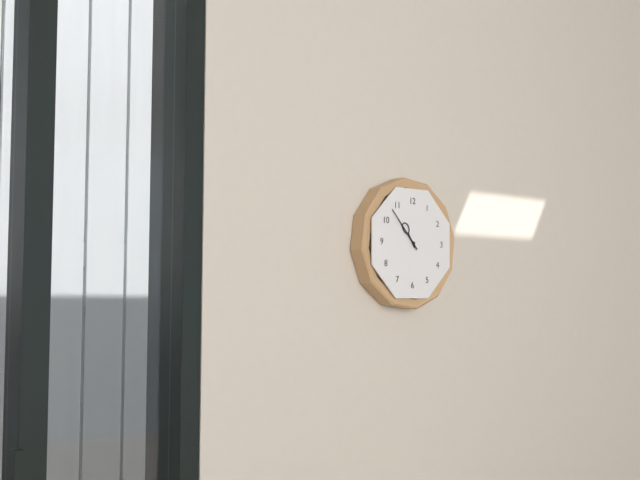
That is 10 h 53 min
